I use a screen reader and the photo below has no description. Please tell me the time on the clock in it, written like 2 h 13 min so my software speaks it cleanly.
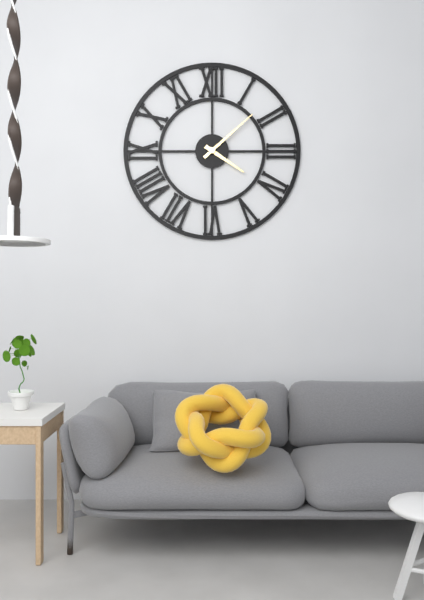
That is 4 h 08 min
